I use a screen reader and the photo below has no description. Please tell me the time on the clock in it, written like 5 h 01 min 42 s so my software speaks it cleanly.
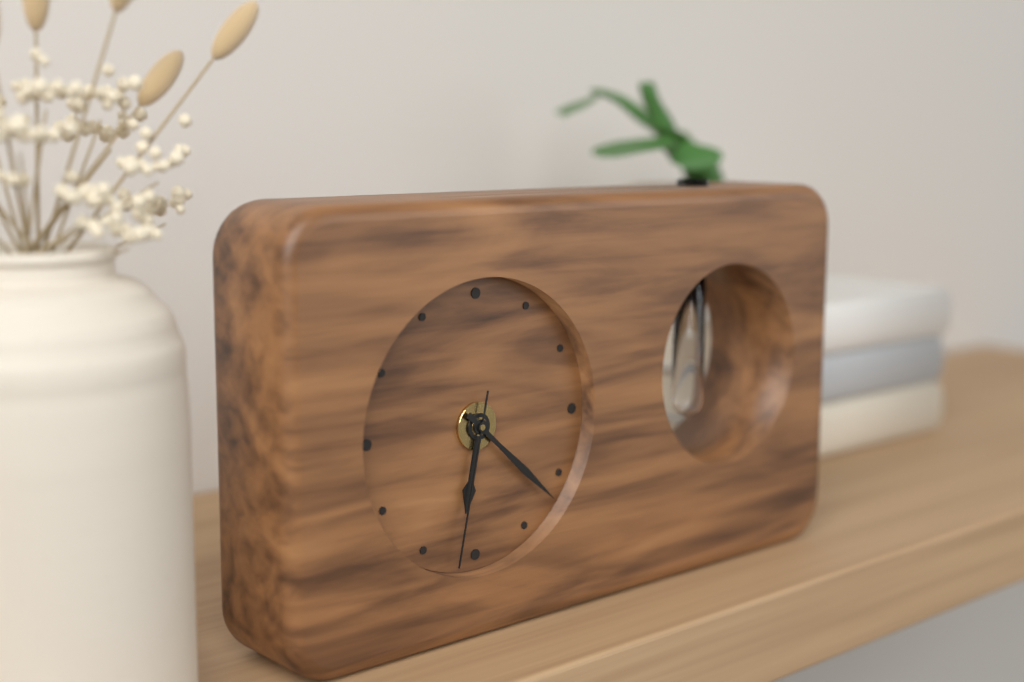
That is 6 h 22 min 32 s
